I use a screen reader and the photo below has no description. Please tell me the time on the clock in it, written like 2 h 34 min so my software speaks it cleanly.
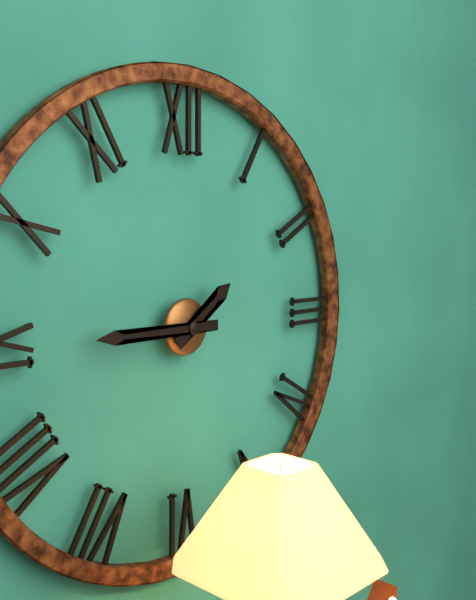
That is 1 h 45 min
